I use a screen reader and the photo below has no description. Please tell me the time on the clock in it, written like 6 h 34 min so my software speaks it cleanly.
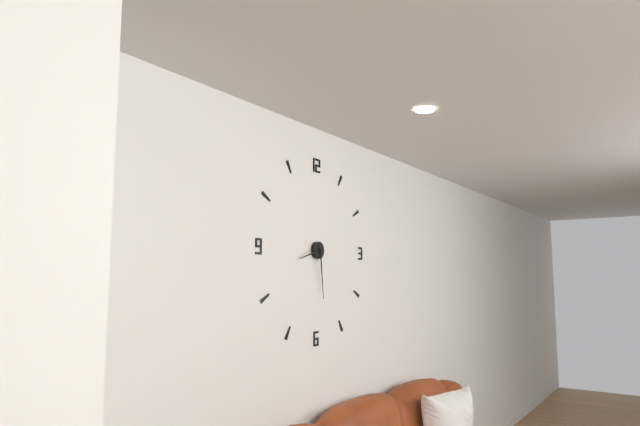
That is 8 h 29 min
